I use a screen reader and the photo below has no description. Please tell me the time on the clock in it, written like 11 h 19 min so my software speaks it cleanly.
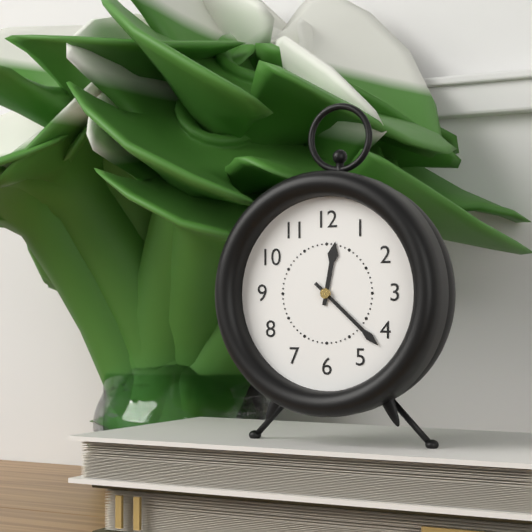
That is 12 h 22 min
